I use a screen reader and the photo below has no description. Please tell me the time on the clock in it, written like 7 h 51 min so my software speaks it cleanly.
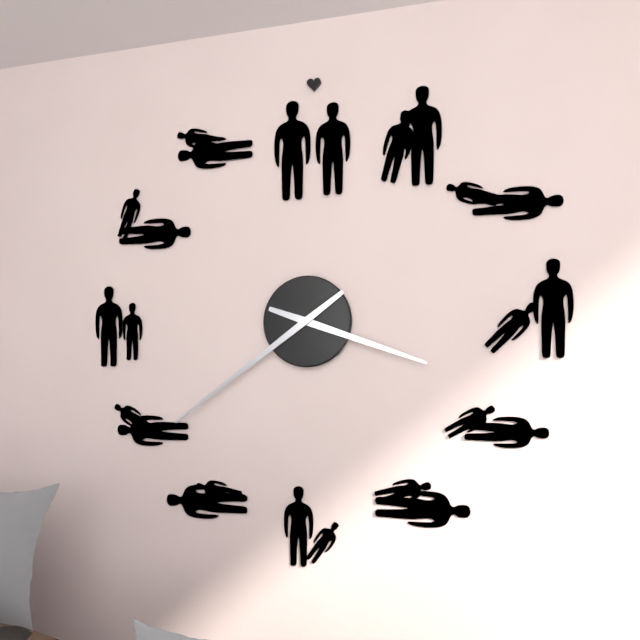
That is 3 h 39 min
